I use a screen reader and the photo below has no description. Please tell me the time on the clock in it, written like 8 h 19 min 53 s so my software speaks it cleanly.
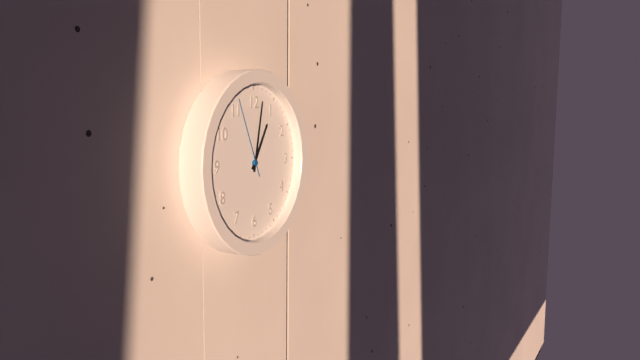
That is 1 h 02 min 56 s
